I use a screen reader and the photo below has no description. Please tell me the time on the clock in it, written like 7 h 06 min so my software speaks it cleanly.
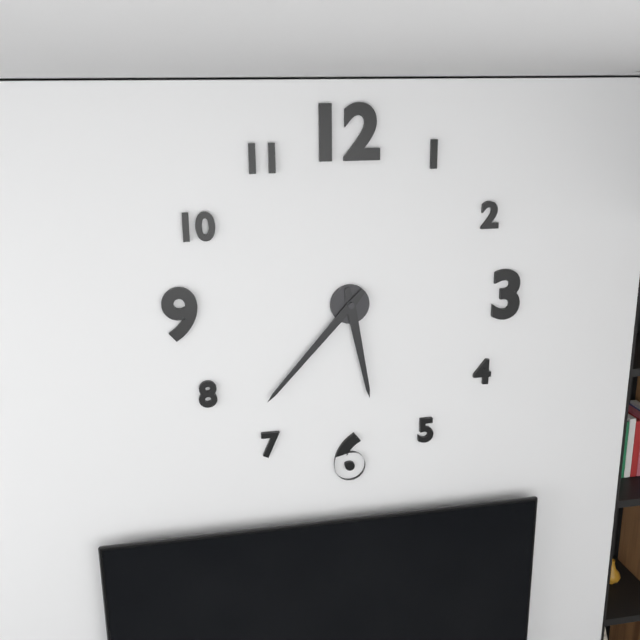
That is 5 h 37 min
